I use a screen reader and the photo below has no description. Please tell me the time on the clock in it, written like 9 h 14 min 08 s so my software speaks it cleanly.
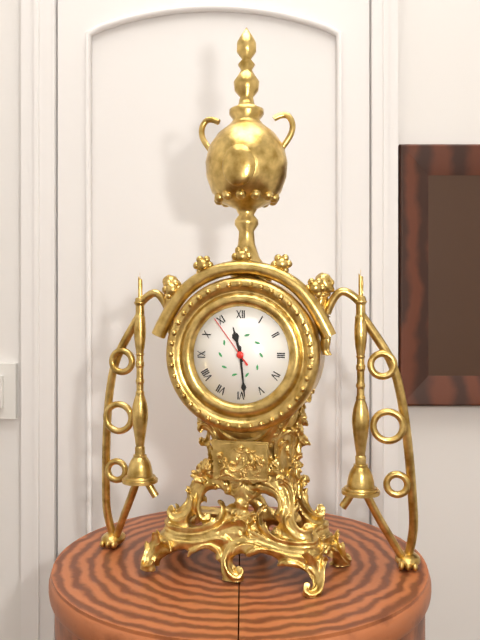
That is 11 h 29 min 54 s
